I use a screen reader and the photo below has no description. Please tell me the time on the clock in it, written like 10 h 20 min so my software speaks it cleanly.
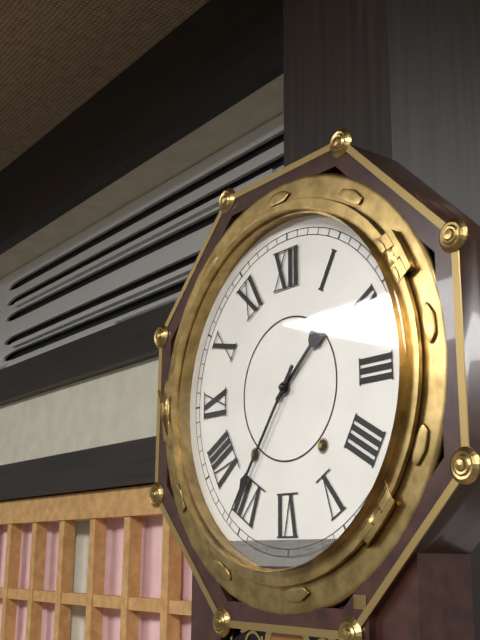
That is 1 h 36 min
